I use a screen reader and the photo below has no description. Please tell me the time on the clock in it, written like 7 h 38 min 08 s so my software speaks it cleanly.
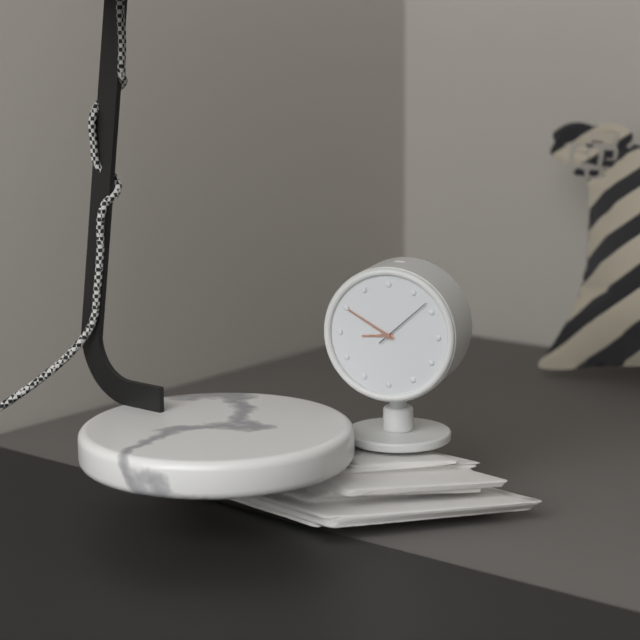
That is 8 h 50 min 08 s
